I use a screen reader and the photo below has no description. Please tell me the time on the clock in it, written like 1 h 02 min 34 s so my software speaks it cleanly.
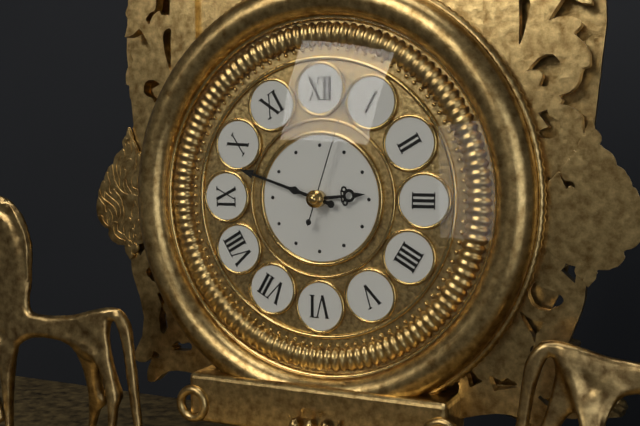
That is 2 h 48 min 03 s
